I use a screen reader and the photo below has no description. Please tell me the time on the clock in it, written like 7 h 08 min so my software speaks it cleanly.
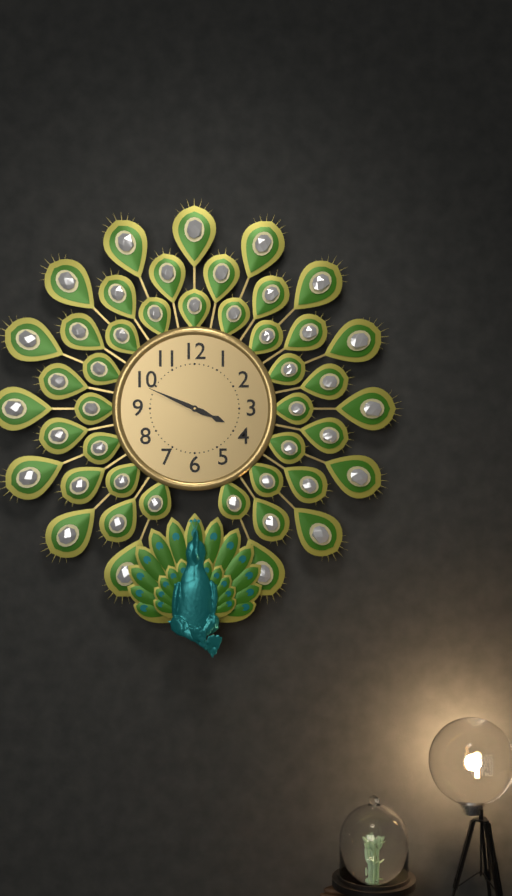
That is 3 h 49 min
